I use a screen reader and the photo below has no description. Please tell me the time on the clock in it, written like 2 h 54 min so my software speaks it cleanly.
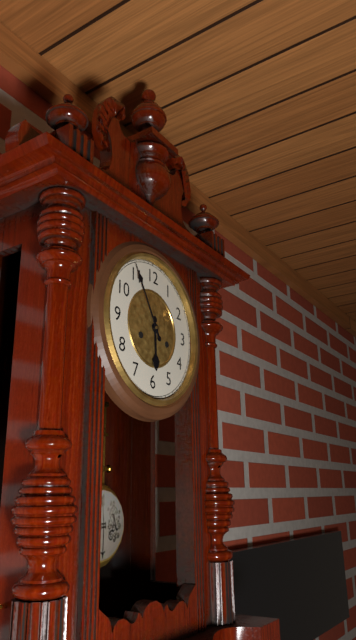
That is 5 h 55 min
